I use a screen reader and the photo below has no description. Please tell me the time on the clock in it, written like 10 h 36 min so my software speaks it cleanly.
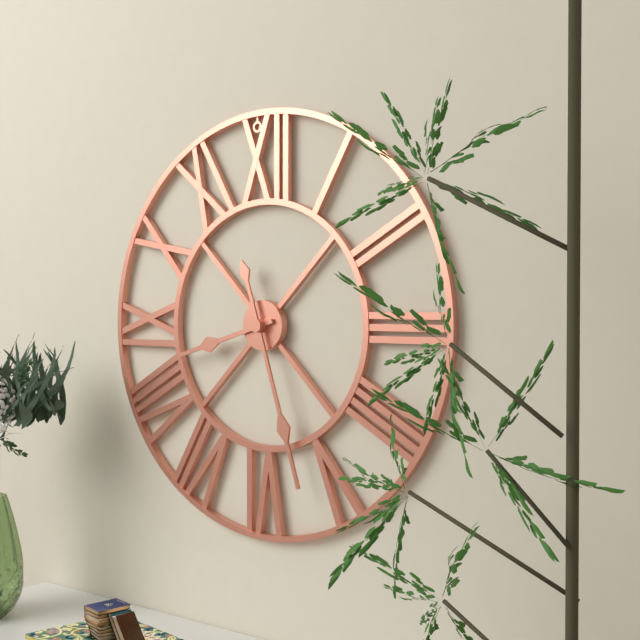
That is 8 h 27 min
